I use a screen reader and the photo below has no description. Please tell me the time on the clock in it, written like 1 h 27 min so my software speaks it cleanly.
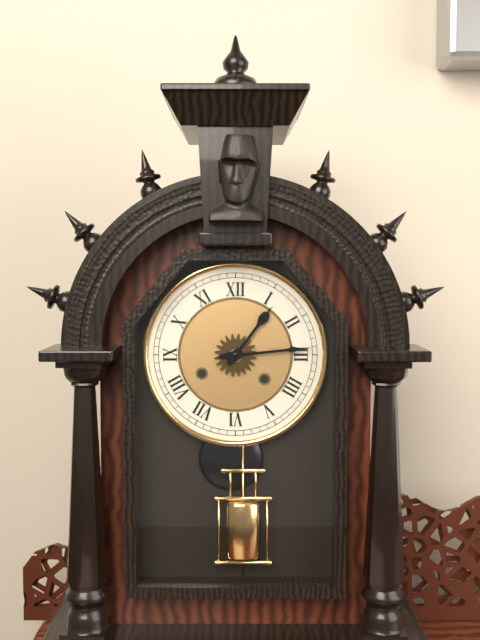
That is 1 h 14 min
